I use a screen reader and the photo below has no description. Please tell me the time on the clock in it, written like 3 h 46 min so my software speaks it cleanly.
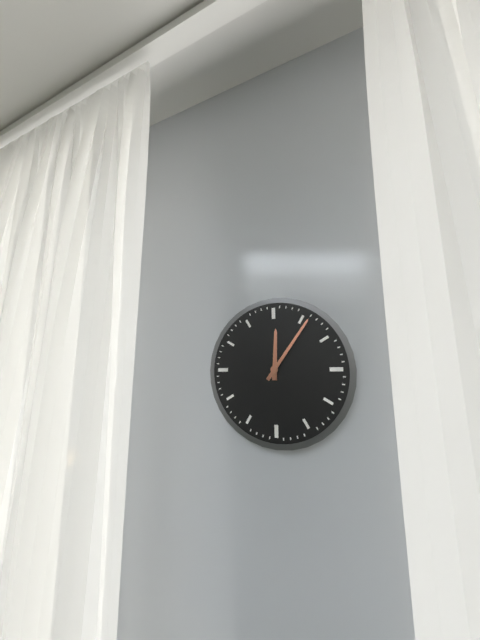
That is 12 h 06 min
